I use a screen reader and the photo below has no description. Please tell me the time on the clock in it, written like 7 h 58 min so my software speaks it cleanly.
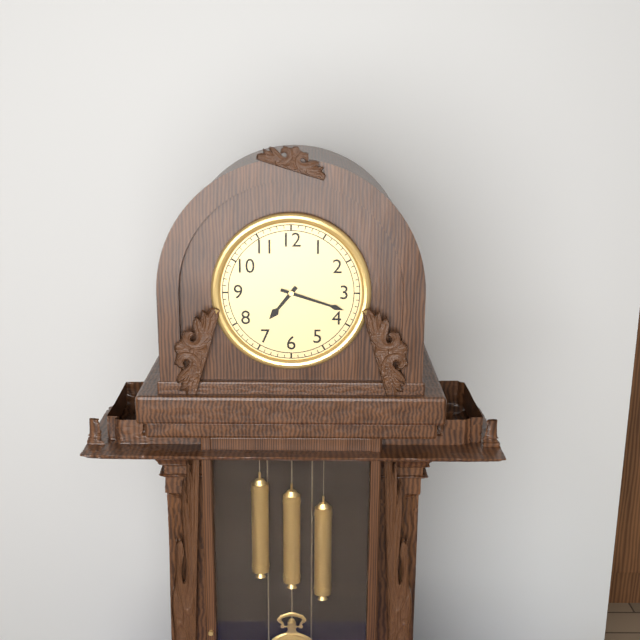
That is 7 h 18 min
